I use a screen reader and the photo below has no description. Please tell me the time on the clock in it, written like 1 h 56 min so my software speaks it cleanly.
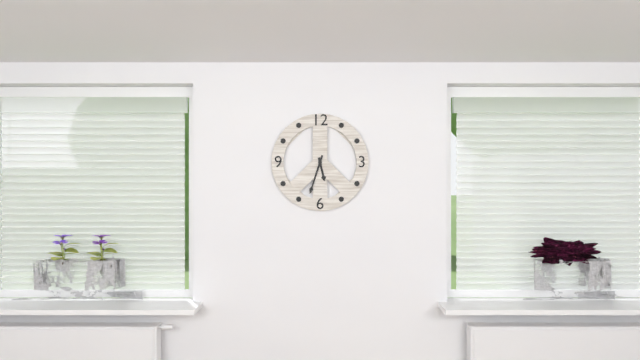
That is 5 h 33 min
